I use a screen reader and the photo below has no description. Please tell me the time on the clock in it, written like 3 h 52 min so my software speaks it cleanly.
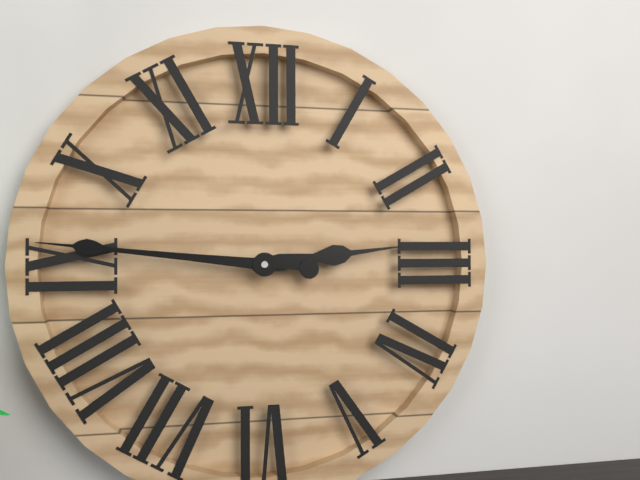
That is 2 h 46 min
